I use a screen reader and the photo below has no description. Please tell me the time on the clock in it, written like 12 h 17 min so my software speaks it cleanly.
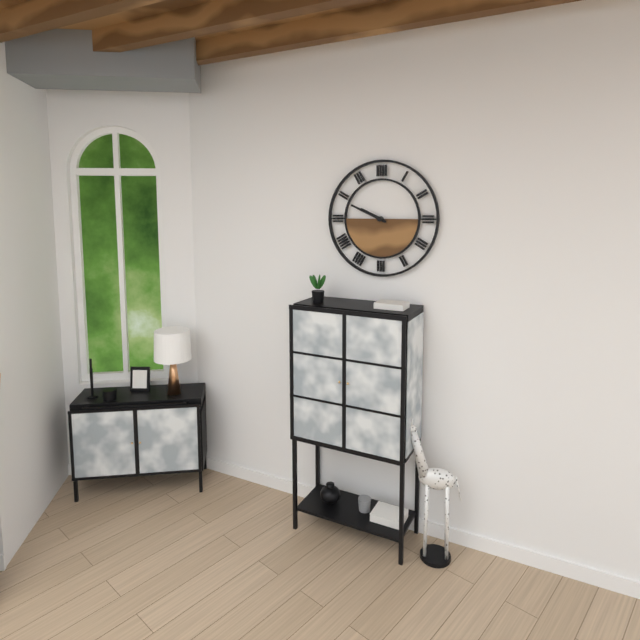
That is 9 h 49 min
